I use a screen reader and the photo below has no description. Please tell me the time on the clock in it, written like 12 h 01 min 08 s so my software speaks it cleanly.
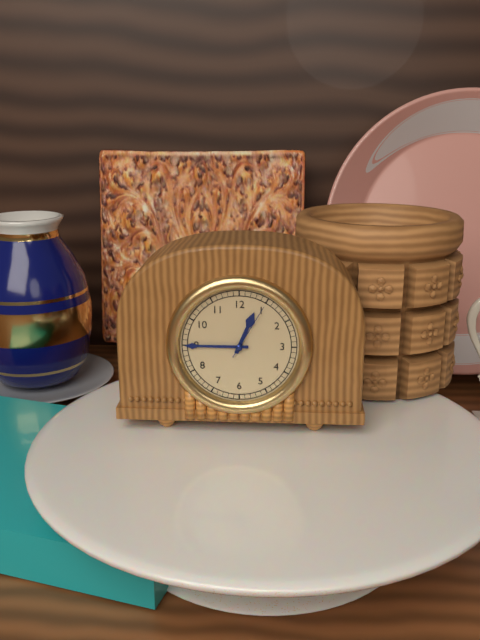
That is 12 h 45 min 05 s
